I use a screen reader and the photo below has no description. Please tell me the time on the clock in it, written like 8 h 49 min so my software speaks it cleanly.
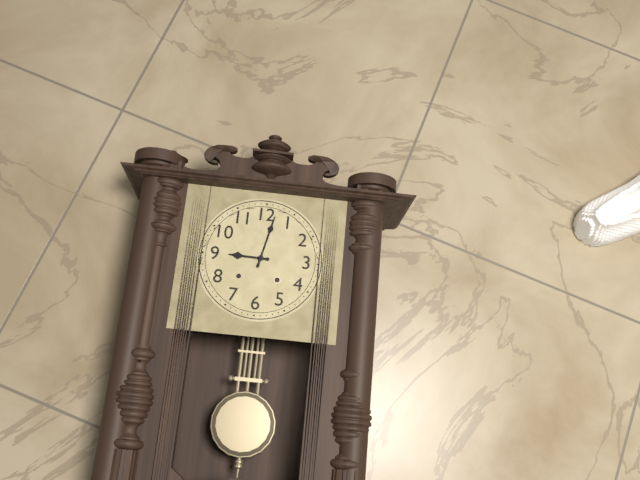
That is 9 h 02 min
